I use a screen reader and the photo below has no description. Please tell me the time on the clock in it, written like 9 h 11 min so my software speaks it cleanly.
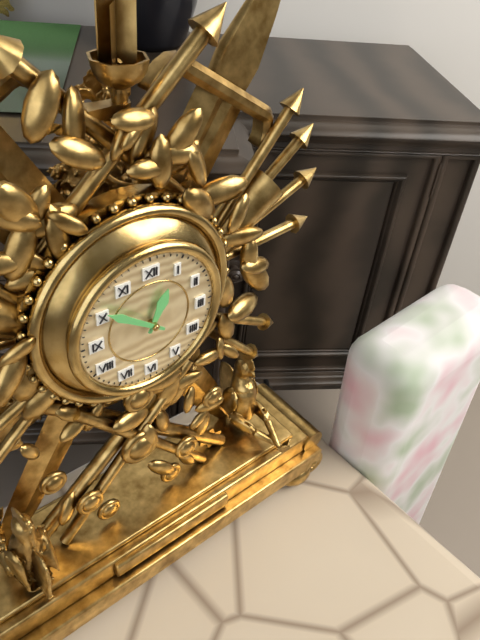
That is 12 h 51 min
